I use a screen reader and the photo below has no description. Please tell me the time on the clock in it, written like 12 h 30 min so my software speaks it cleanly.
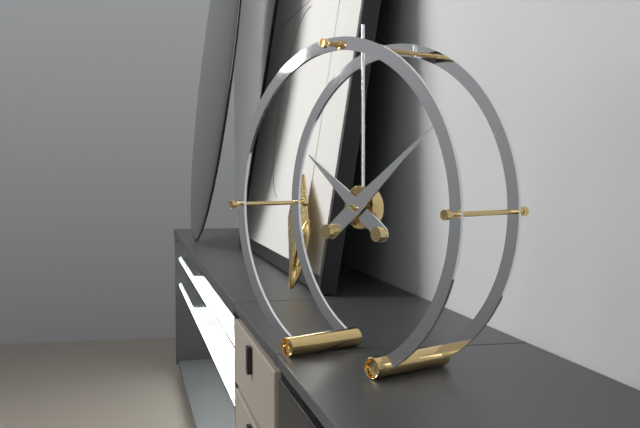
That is 10 h 09 min
